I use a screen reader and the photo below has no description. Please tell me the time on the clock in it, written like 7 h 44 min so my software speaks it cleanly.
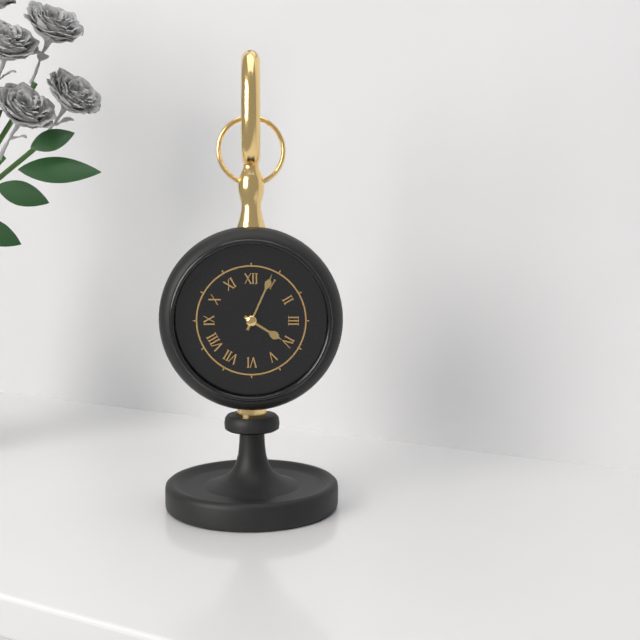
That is 4 h 04 min
